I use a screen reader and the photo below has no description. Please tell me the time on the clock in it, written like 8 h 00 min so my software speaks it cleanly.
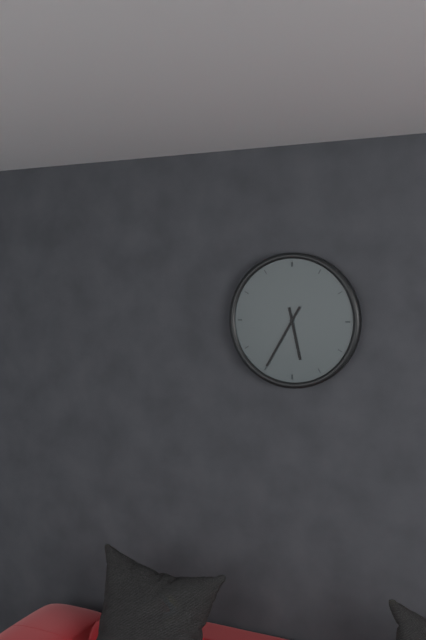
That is 5 h 35 min
